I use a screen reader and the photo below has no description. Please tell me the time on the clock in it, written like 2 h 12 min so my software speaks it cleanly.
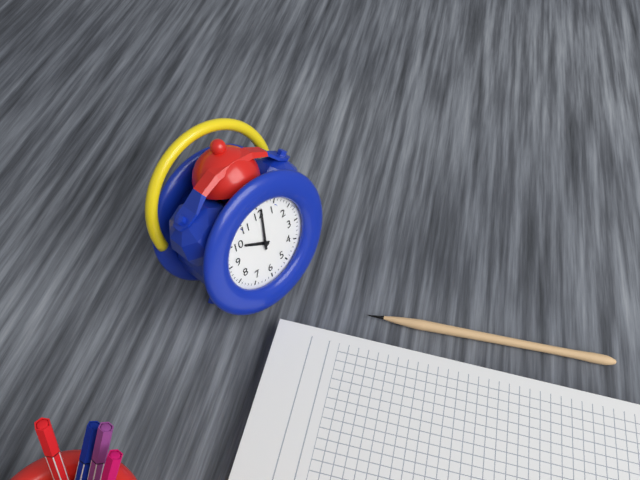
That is 10 h 01 min
